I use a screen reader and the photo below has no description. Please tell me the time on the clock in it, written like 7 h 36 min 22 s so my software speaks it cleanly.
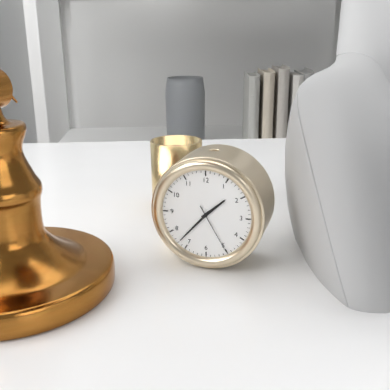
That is 1 h 37 min 25 s
